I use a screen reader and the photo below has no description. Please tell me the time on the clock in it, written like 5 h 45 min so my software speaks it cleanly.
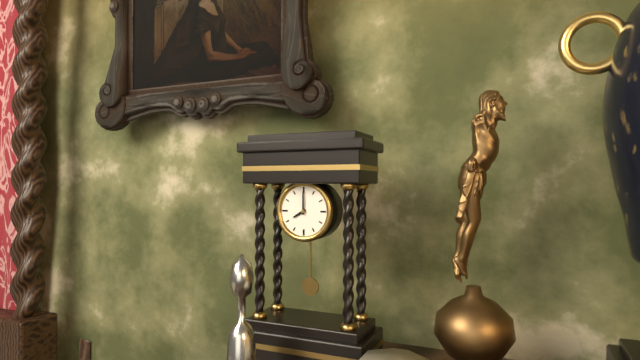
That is 8 h 00 min
